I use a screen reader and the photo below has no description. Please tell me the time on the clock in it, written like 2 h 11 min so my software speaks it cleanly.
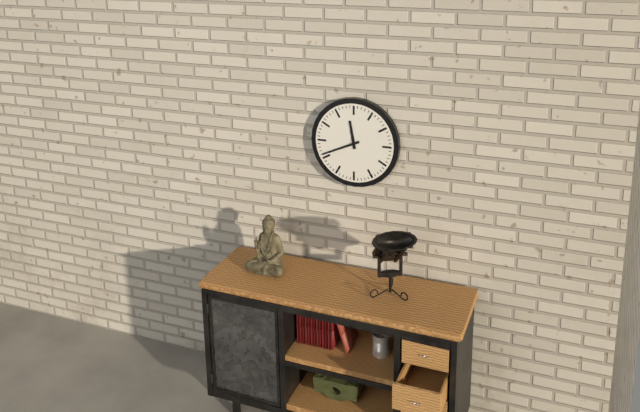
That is 11 h 41 min
